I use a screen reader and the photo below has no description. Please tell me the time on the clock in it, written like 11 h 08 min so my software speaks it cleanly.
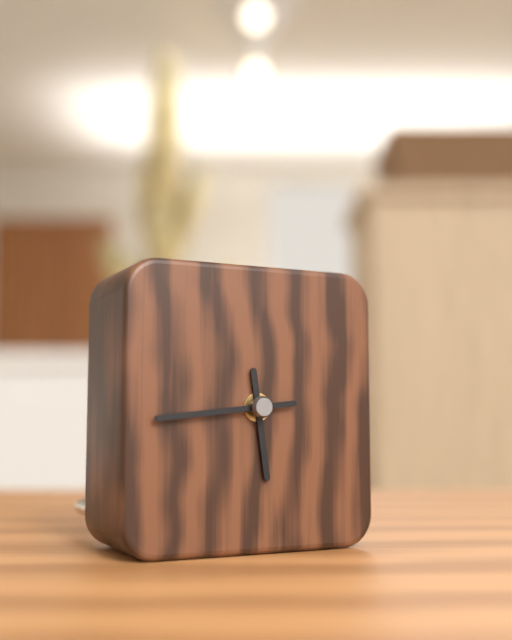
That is 5 h 44 min
